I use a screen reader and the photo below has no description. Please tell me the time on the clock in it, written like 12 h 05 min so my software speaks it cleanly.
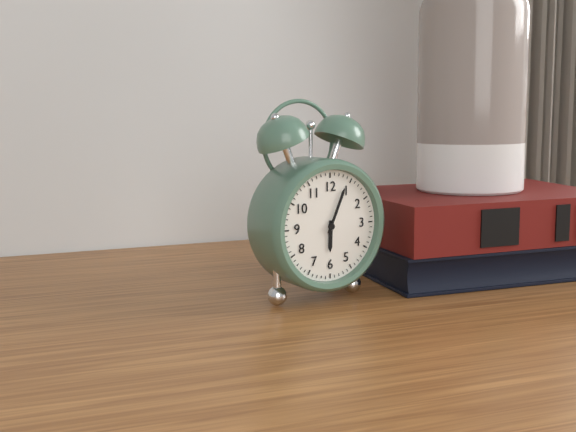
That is 6 h 04 min
